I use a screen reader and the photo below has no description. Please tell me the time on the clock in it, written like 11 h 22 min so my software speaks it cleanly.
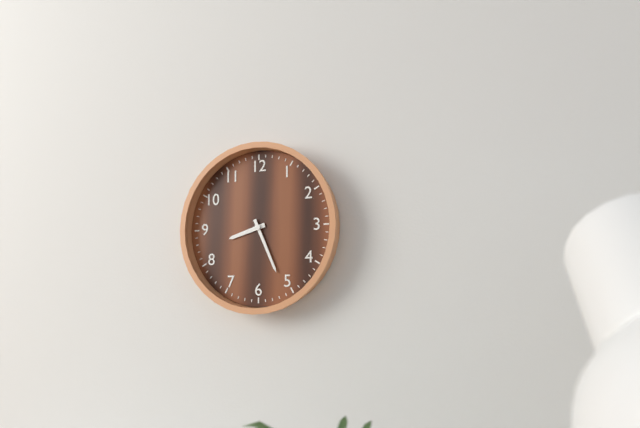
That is 8 h 26 min
